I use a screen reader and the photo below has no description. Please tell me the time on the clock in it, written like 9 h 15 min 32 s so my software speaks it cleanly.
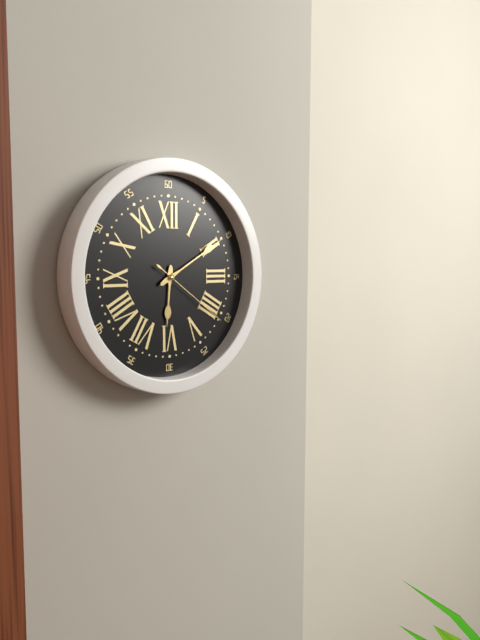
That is 6 h 10 min 21 s
